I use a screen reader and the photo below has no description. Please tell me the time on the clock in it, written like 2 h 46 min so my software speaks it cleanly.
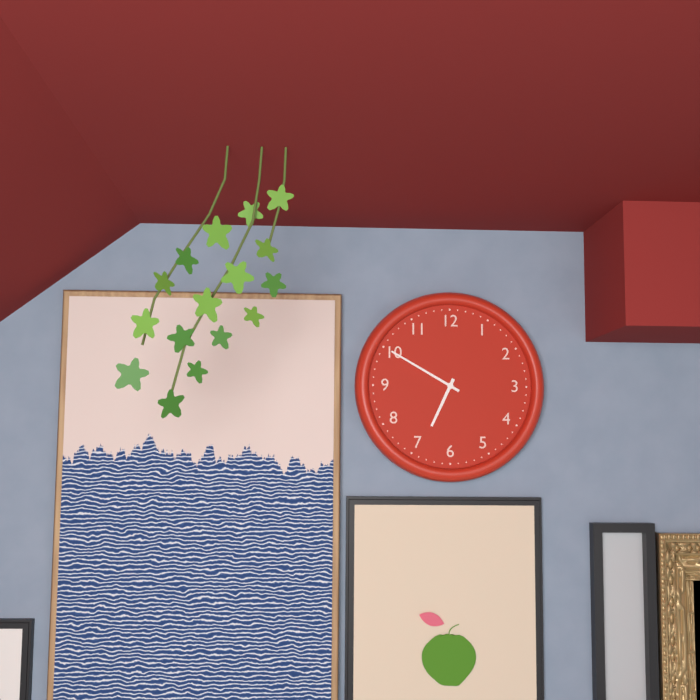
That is 6 h 50 min
